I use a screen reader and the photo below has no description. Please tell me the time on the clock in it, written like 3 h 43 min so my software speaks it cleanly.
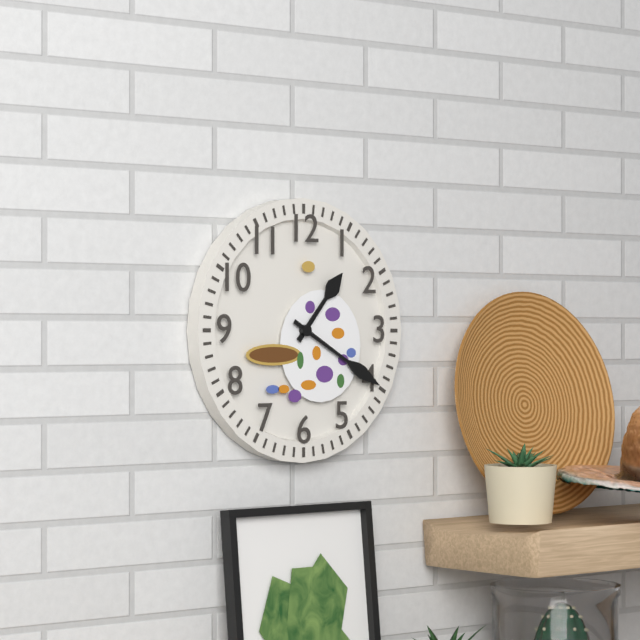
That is 1 h 20 min
